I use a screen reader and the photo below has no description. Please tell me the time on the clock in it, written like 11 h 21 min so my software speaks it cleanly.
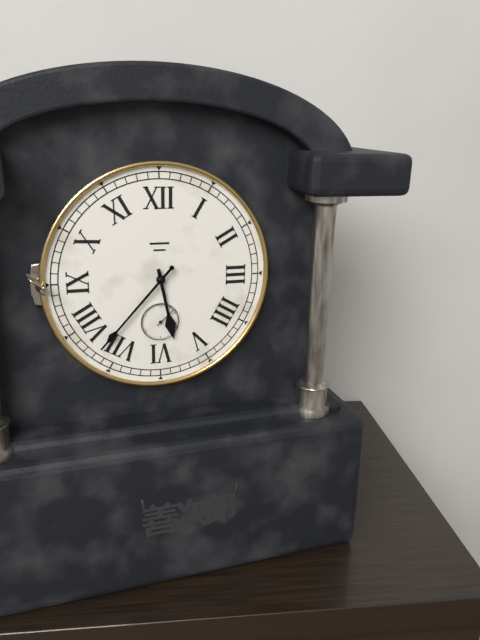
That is 5 h 37 min
